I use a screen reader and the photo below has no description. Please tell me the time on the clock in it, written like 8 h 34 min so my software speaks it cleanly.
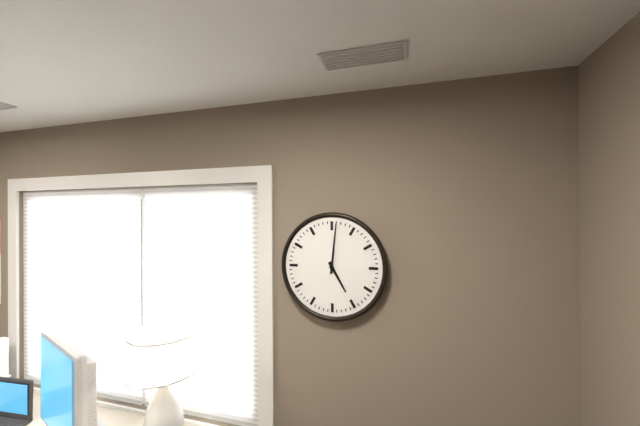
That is 5 h 01 min
